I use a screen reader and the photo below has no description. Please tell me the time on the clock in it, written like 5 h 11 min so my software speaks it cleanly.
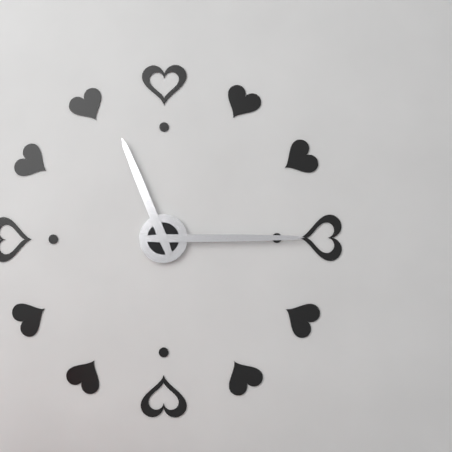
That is 11 h 15 min
